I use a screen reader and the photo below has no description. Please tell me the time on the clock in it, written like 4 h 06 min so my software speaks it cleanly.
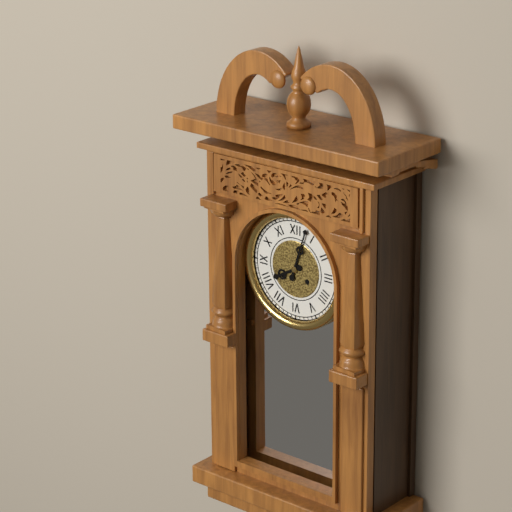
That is 8 h 03 min
